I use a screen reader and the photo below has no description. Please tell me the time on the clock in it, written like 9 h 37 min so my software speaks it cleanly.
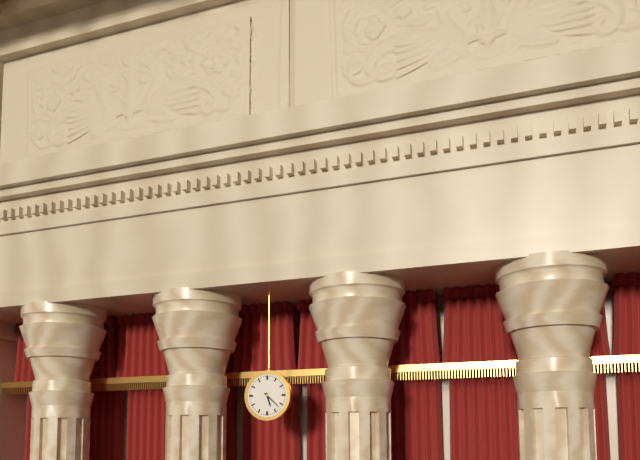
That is 5 h 22 min
